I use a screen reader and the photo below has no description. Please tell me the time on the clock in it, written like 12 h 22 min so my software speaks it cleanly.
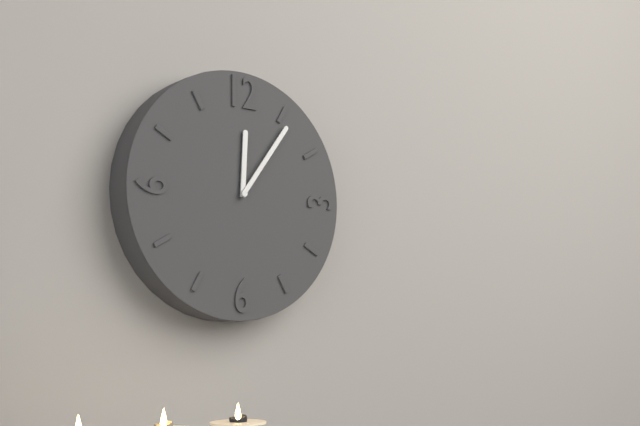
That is 12 h 06 min
